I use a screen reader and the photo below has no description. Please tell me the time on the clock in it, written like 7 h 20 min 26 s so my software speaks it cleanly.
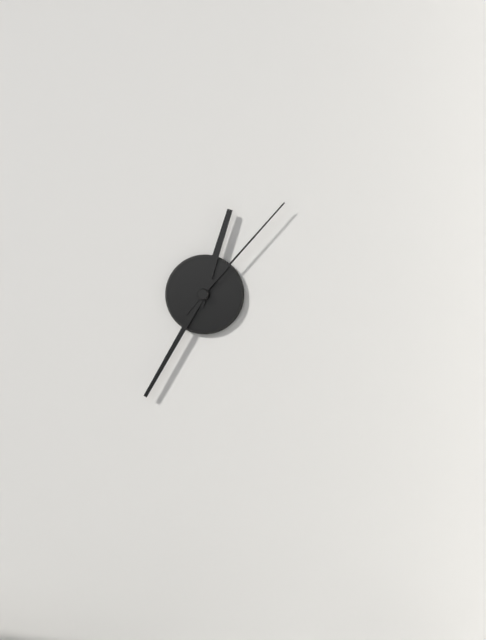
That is 12 h 35 min 07 s
